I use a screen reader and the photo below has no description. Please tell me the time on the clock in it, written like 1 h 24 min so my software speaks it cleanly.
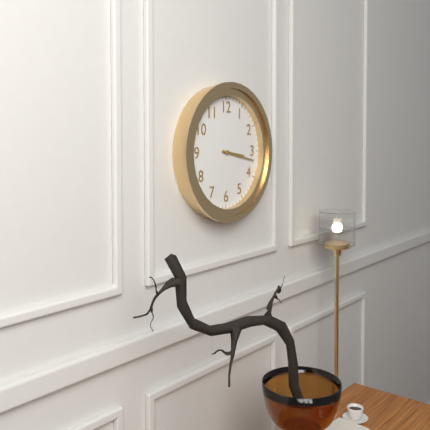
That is 3 h 17 min
